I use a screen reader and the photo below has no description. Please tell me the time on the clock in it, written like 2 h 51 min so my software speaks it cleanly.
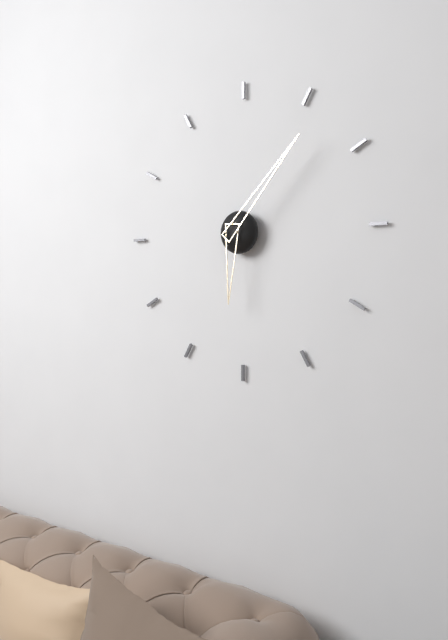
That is 6 h 07 min
